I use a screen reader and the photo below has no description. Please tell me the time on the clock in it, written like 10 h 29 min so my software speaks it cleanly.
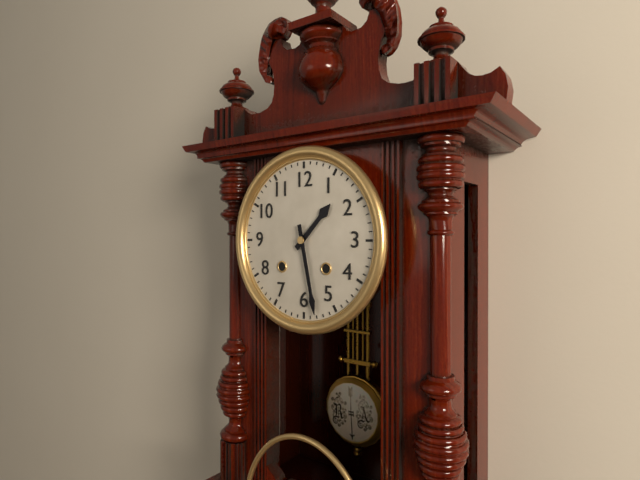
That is 1 h 28 min
